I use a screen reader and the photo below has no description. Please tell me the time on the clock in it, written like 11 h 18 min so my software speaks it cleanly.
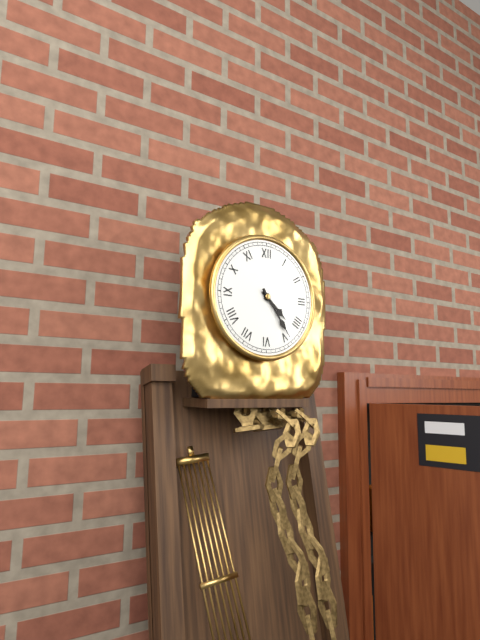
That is 4 h 24 min
